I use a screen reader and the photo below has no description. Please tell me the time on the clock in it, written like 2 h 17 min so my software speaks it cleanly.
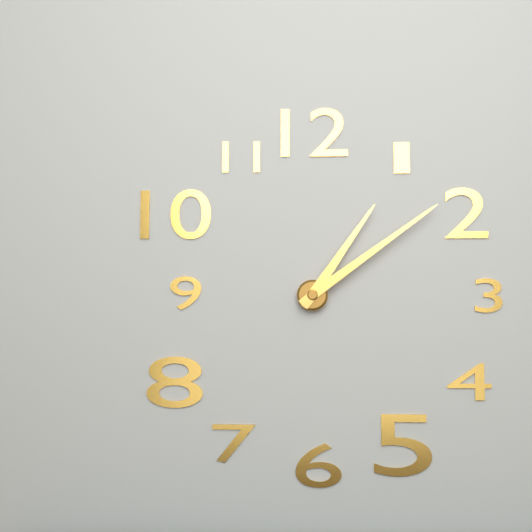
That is 1 h 09 min
